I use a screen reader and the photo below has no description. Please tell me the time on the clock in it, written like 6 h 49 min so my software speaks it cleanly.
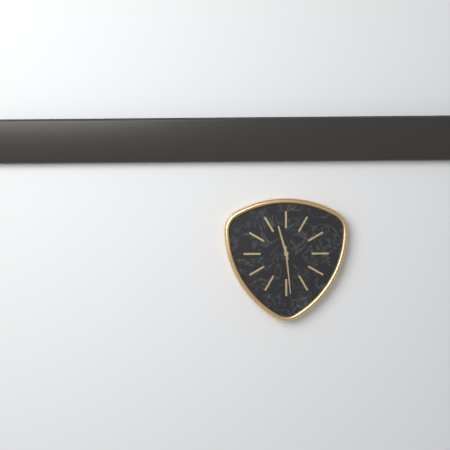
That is 11 h 29 min
